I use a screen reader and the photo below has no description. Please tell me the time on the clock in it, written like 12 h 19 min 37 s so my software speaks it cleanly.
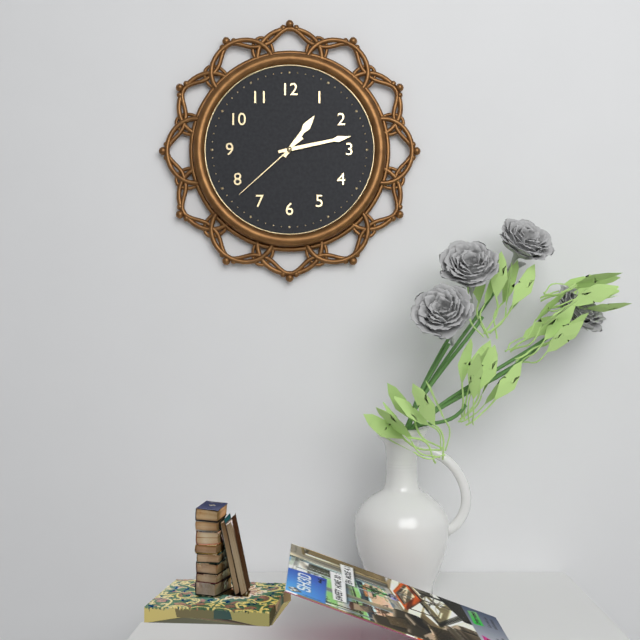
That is 1 h 13 min 38 s
